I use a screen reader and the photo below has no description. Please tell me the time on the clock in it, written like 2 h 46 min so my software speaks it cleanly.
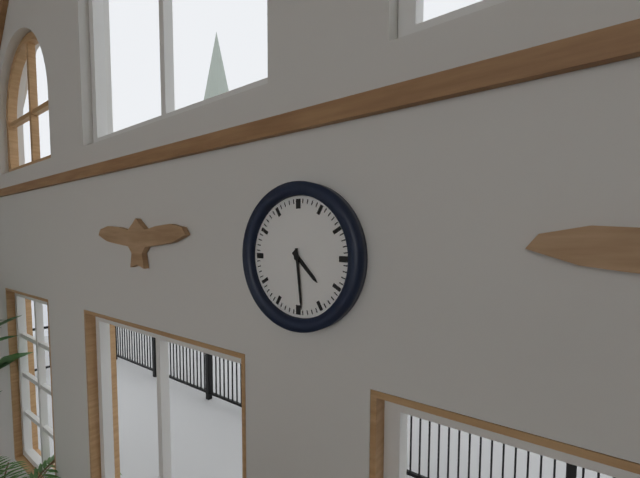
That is 4 h 29 min
